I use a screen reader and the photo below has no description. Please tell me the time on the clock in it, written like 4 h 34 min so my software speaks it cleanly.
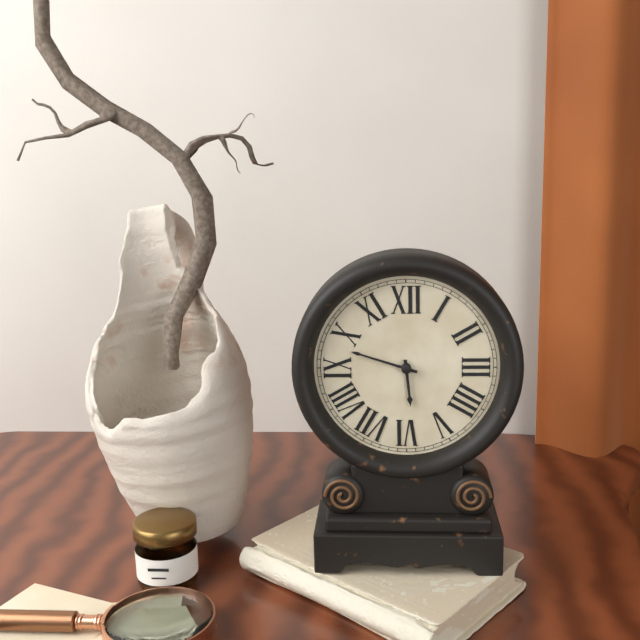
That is 5 h 48 min
